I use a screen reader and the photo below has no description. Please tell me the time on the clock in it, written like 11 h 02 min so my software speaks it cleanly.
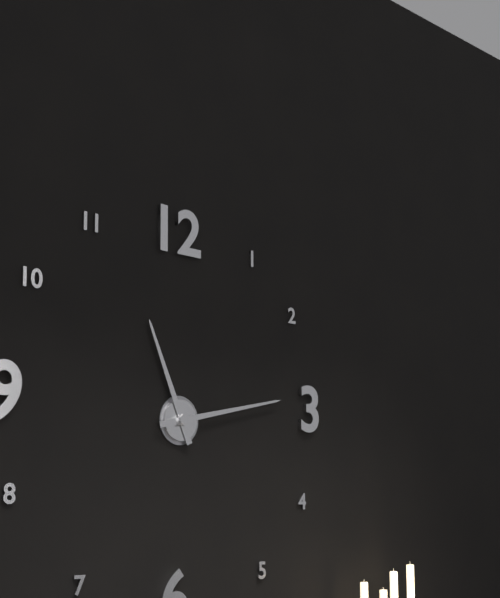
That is 11 h 13 min
